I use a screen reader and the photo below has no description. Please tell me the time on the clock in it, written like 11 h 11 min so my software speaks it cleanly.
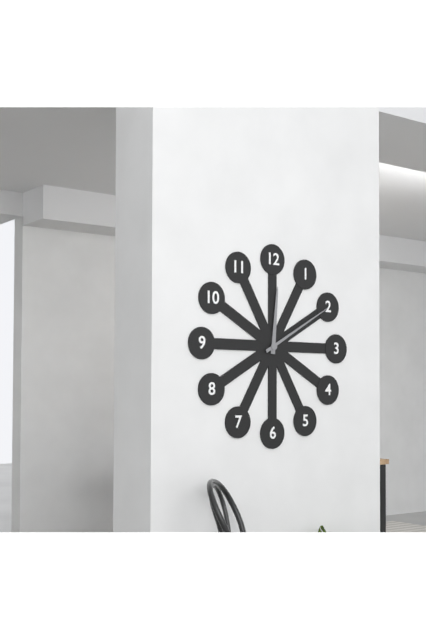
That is 12 h 10 min
